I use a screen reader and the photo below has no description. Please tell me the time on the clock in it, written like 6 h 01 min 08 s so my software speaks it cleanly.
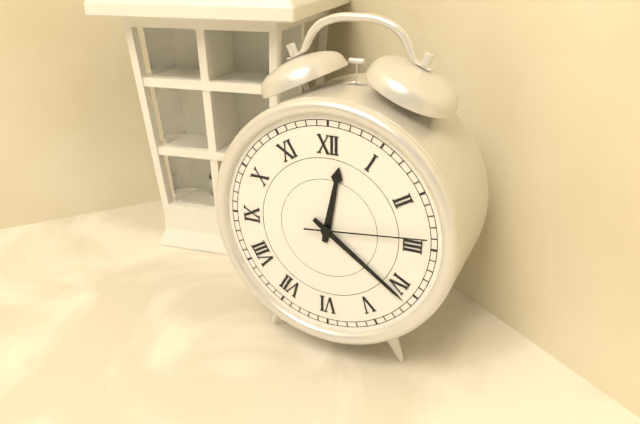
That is 12 h 21 min 14 s
